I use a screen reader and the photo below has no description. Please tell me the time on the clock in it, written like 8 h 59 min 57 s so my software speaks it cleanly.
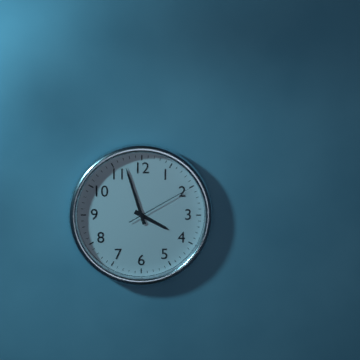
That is 3 h 57 min 10 s
